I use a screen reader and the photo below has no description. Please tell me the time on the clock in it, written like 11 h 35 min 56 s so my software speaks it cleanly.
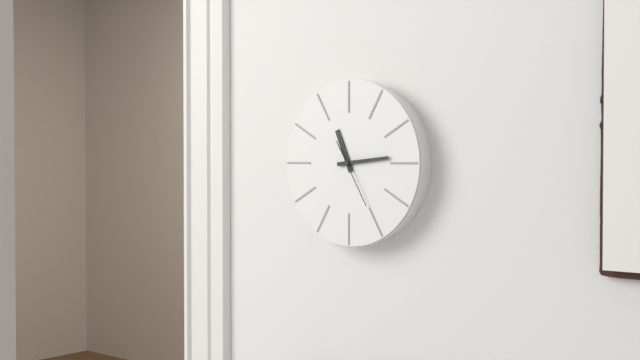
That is 11 h 14 min 25 s
